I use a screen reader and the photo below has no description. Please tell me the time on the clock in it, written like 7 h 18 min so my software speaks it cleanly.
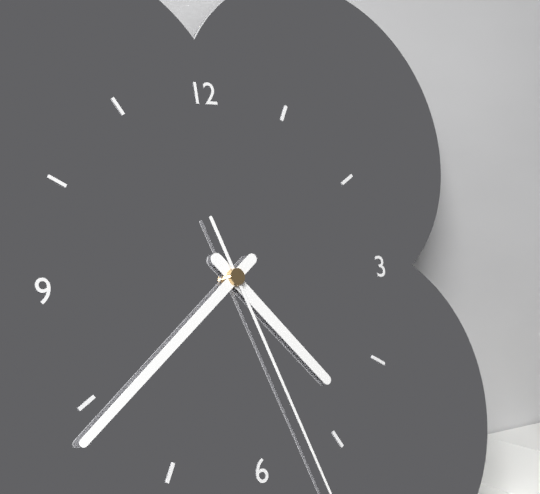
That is 4 h 39 min
